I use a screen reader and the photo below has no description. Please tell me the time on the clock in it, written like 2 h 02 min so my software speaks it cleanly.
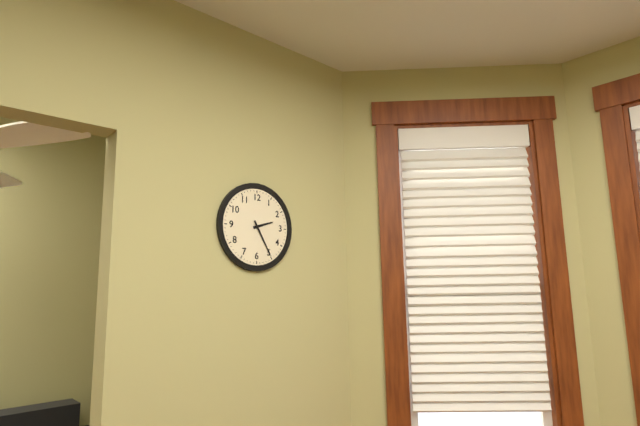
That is 2 h 25 min
